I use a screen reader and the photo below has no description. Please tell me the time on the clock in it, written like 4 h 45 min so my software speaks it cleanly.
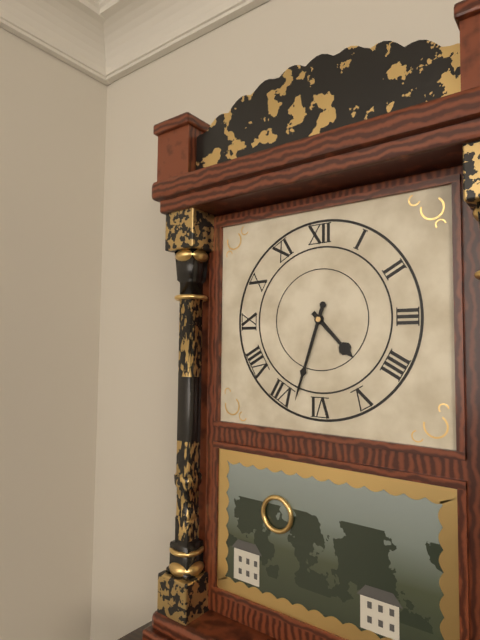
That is 4 h 33 min
